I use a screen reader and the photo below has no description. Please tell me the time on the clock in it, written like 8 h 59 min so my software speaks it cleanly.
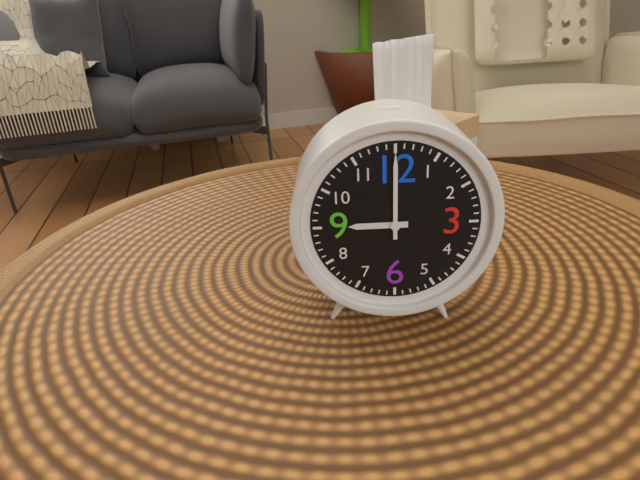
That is 9 h 00 min
